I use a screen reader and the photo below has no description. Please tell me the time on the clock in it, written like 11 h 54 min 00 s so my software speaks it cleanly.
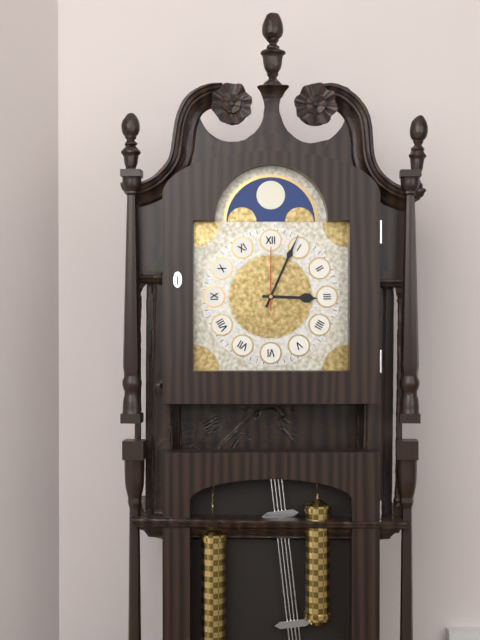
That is 3 h 04 min 00 s
